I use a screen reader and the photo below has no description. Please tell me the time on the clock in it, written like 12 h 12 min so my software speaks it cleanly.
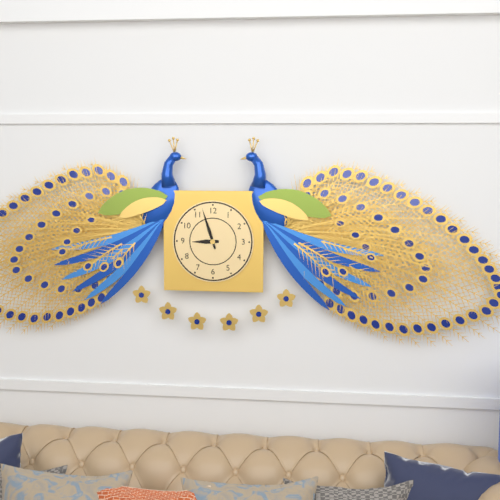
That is 8 h 57 min
